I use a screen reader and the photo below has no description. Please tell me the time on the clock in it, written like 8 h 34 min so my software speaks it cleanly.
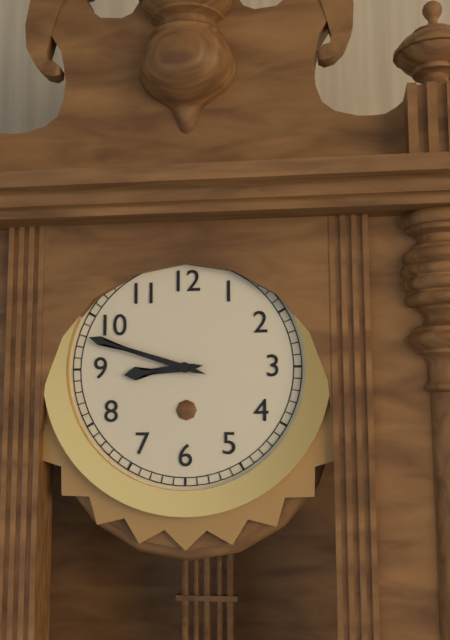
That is 8 h 48 min
